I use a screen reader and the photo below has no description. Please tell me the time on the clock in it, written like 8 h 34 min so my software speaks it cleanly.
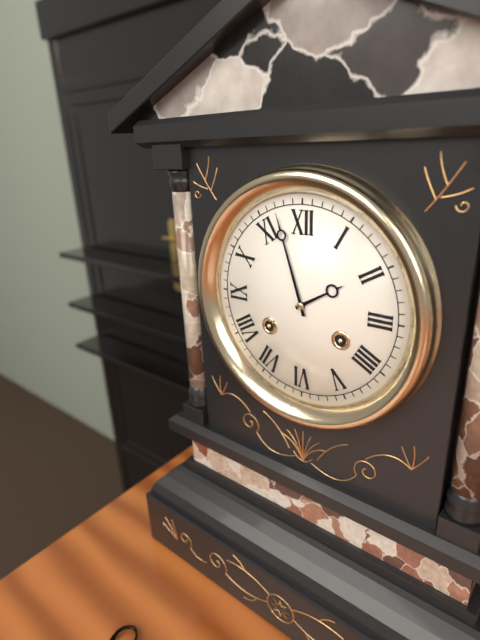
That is 1 h 57 min
